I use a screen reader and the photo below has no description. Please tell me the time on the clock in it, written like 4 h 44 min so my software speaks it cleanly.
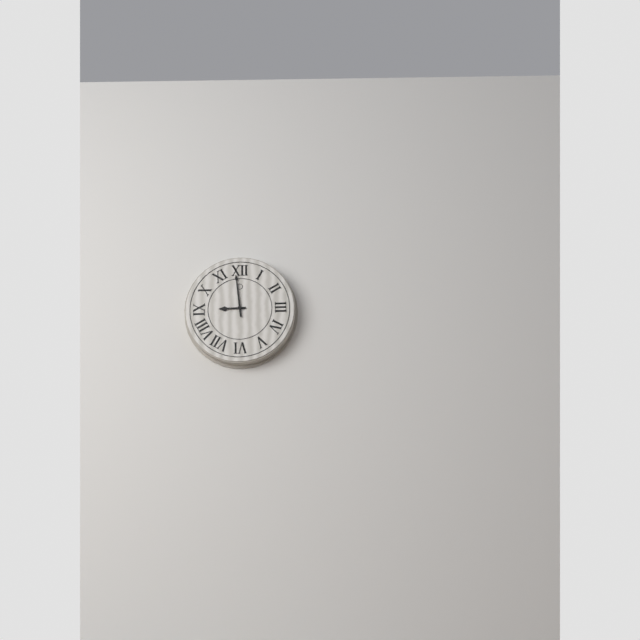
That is 8 h 59 min
